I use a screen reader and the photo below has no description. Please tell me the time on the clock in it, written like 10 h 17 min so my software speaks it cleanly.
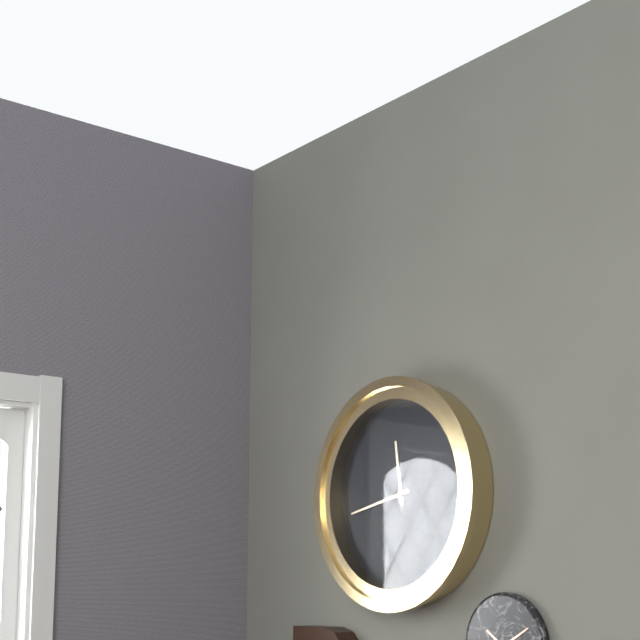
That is 11 h 43 min
